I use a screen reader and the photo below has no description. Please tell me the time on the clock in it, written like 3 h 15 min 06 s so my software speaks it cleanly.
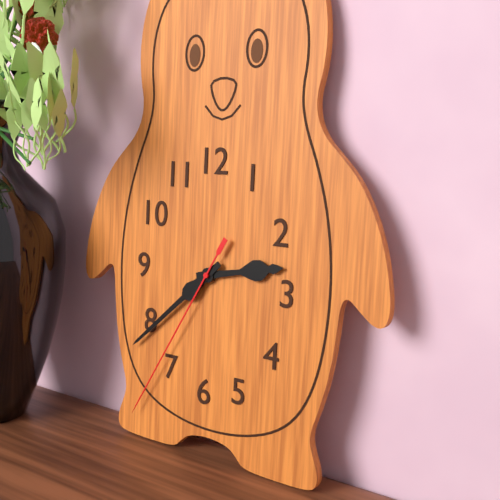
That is 2 h 38 min 35 s
